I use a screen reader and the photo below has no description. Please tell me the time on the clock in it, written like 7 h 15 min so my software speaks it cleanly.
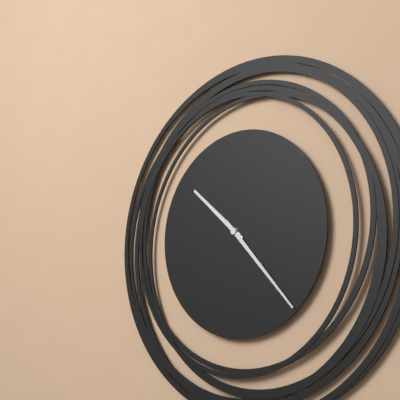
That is 10 h 23 min
